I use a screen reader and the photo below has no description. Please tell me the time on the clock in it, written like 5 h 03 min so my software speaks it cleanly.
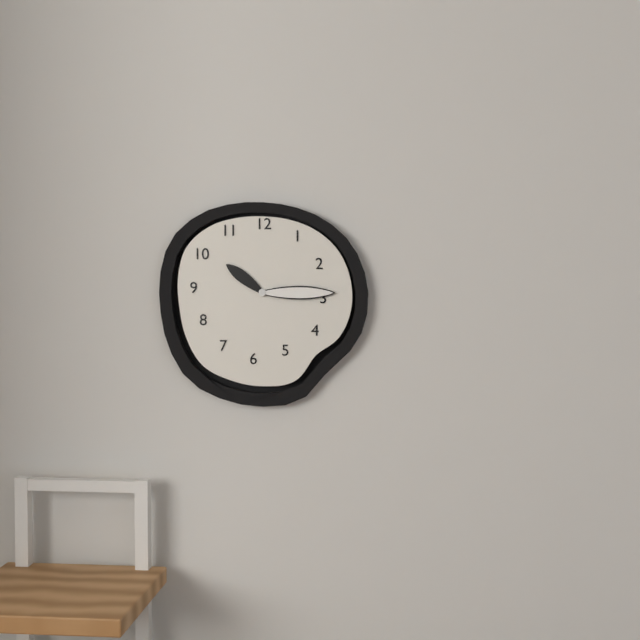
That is 10 h 15 min
